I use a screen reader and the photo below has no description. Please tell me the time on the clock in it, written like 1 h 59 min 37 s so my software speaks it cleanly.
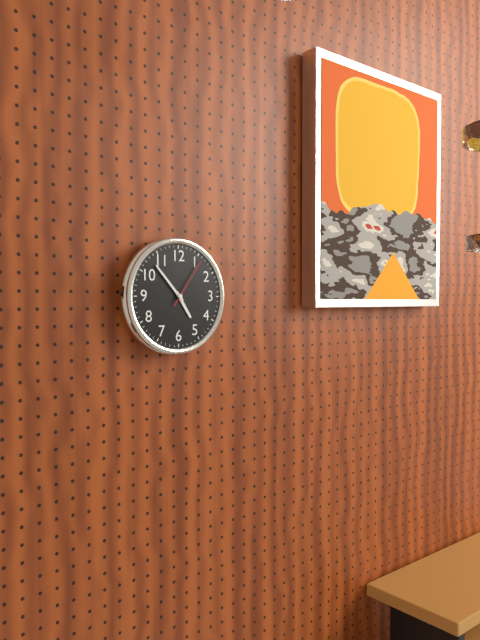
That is 4 h 53 min 06 s
